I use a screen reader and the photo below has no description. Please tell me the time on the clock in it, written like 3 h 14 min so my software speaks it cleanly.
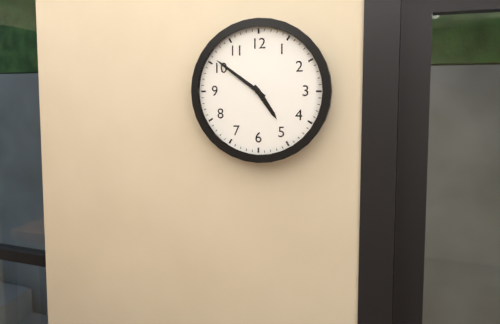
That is 4 h 51 min
